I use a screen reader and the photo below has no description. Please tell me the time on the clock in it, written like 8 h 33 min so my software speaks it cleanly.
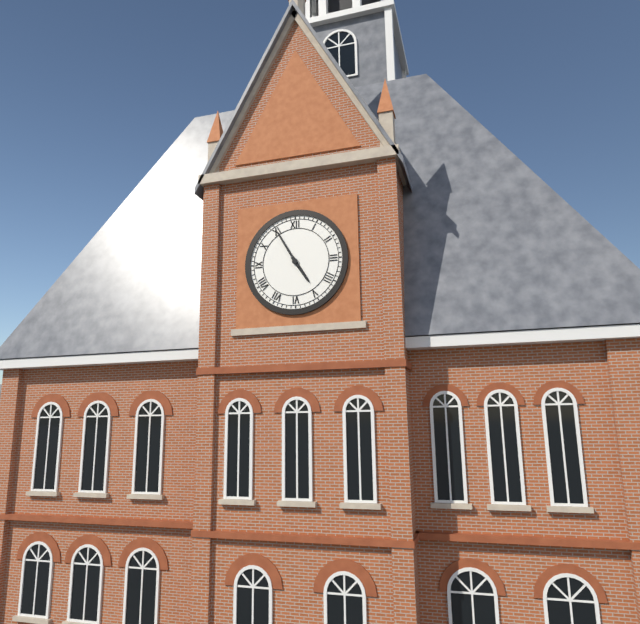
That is 4 h 55 min
